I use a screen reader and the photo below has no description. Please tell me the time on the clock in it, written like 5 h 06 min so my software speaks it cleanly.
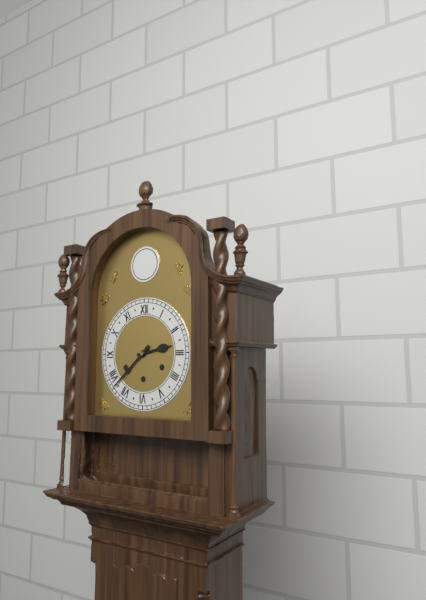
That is 2 h 38 min
